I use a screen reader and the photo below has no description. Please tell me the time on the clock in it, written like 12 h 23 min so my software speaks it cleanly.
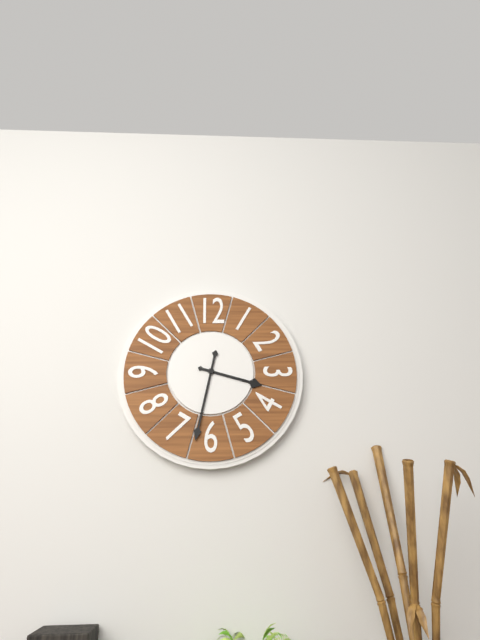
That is 3 h 32 min
